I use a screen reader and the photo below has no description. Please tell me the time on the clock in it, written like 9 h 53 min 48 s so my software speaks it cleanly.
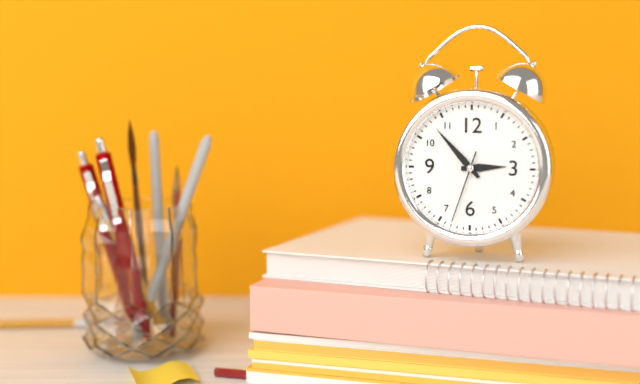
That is 2 h 53 min 33 s
